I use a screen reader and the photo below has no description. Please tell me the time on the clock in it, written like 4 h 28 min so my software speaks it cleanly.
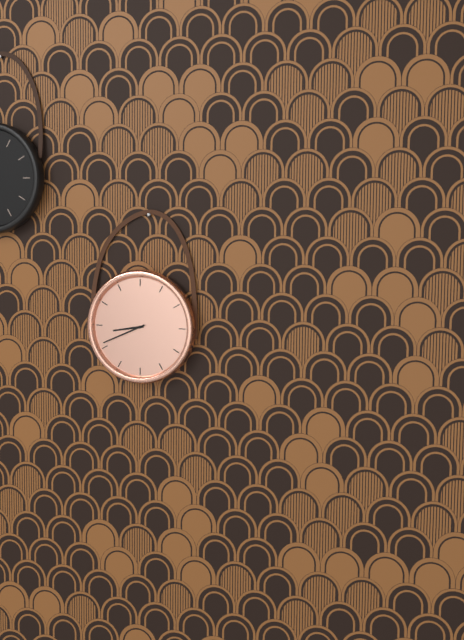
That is 8 h 41 min
